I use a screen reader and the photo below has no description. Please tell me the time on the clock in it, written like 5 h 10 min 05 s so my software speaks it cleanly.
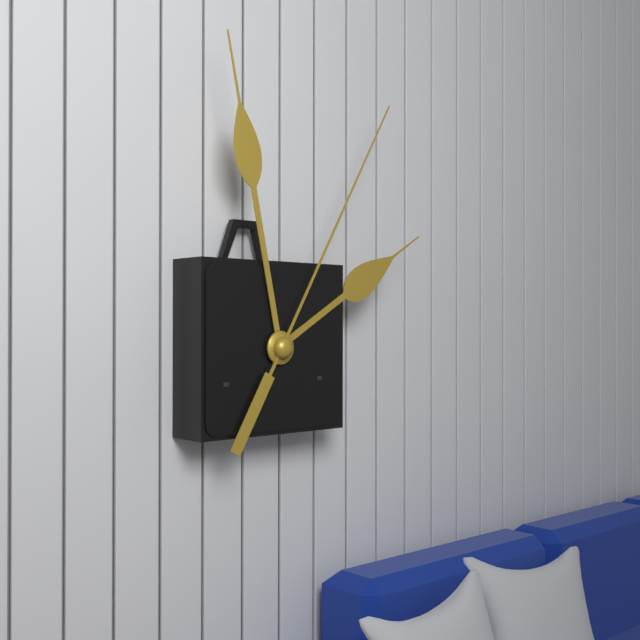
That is 1 h 58 min 05 s
